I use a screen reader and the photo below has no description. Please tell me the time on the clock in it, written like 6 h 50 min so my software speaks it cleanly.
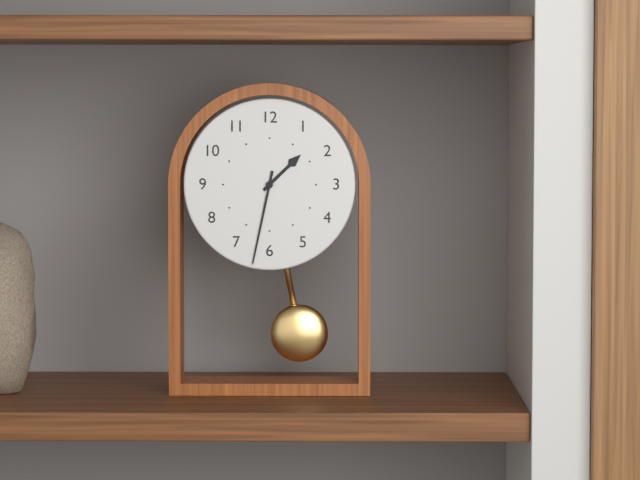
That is 1 h 32 min
